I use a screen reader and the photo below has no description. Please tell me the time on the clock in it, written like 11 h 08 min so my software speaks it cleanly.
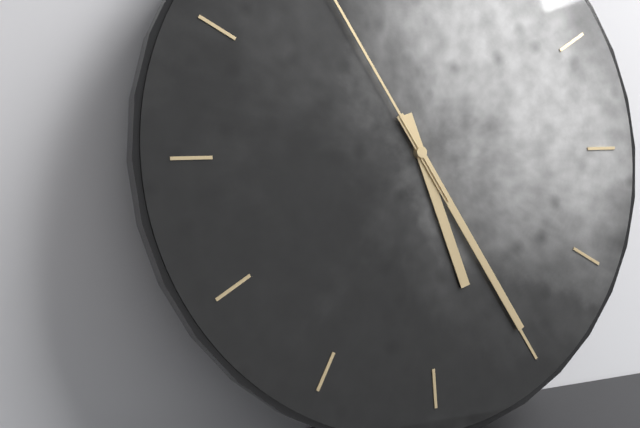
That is 5 h 25 min
